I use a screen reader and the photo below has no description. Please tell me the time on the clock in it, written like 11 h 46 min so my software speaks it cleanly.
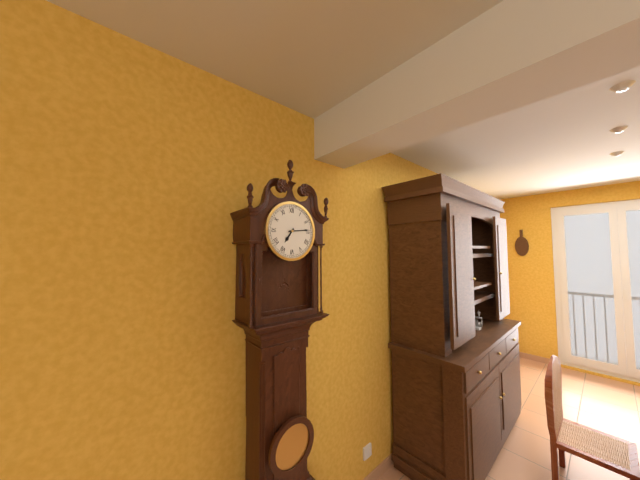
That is 7 h 14 min
